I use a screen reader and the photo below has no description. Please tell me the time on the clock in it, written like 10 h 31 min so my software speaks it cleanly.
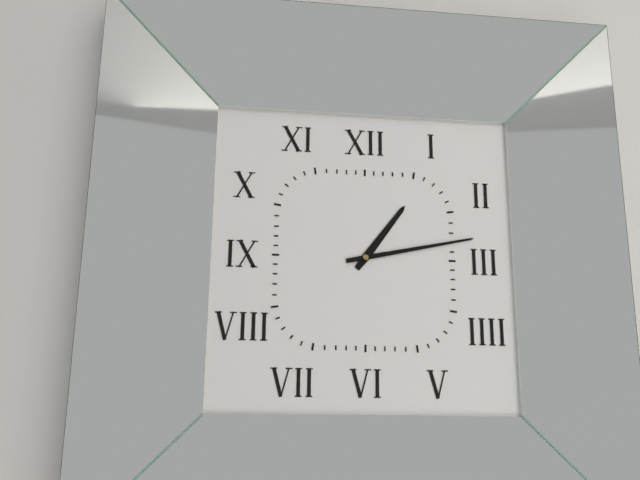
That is 1 h 13 min
